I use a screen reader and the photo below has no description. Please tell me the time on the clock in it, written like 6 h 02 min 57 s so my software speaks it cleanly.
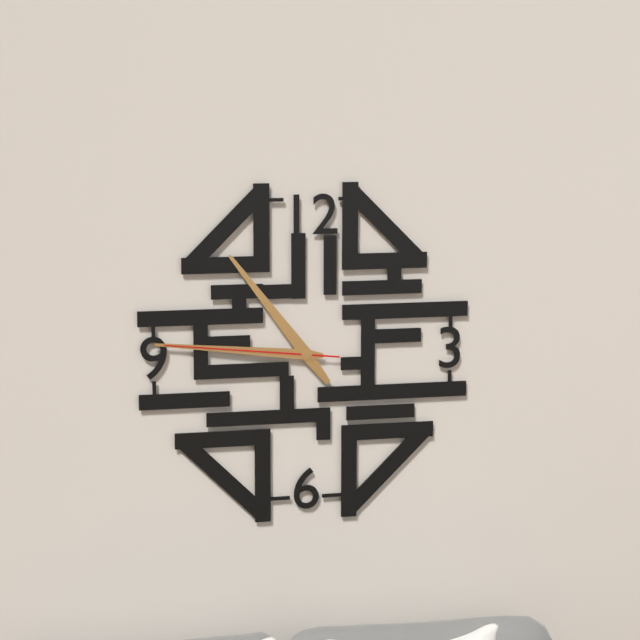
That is 10 h 46 min 46 s
